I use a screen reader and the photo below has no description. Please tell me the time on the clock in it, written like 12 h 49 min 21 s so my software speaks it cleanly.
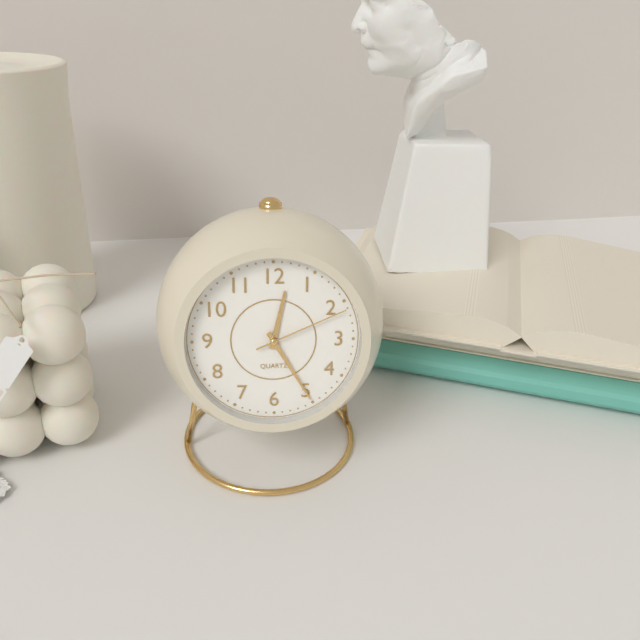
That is 12 h 25 min 11 s
